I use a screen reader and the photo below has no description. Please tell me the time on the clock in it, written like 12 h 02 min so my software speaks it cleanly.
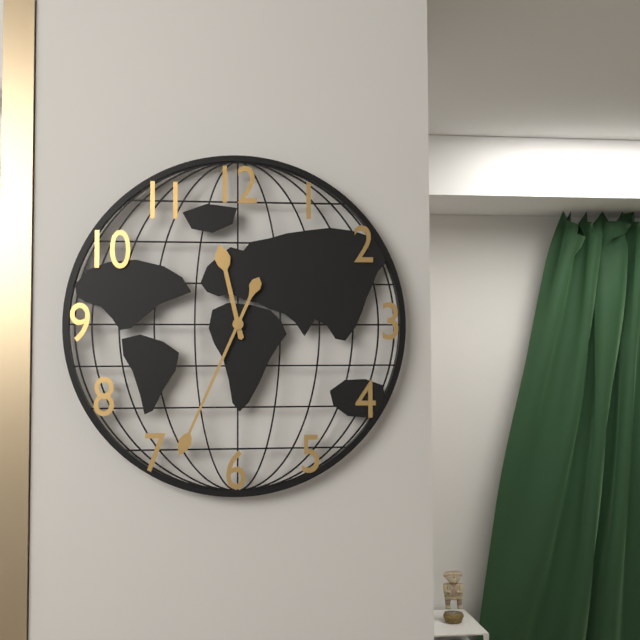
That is 11 h 34 min
